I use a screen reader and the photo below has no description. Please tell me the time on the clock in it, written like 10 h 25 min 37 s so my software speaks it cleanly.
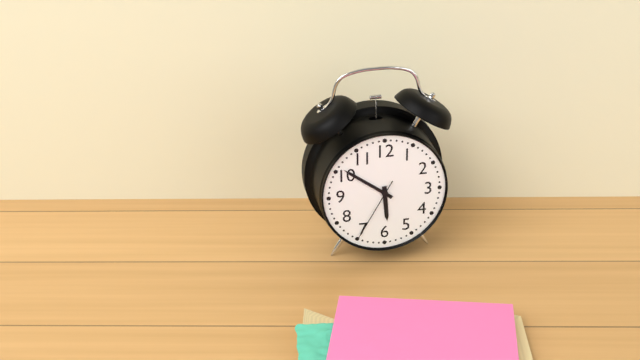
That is 5 h 51 min 35 s
